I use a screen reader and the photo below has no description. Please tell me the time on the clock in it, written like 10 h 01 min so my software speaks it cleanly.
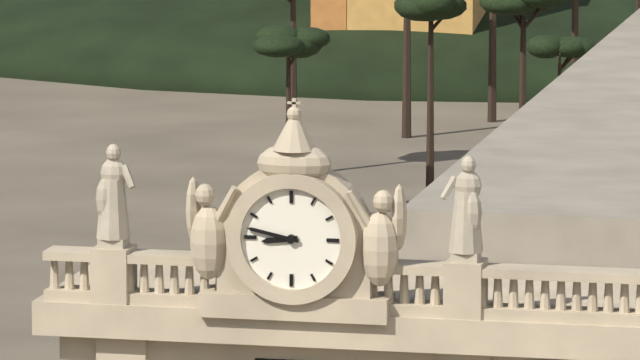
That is 8 h 47 min
